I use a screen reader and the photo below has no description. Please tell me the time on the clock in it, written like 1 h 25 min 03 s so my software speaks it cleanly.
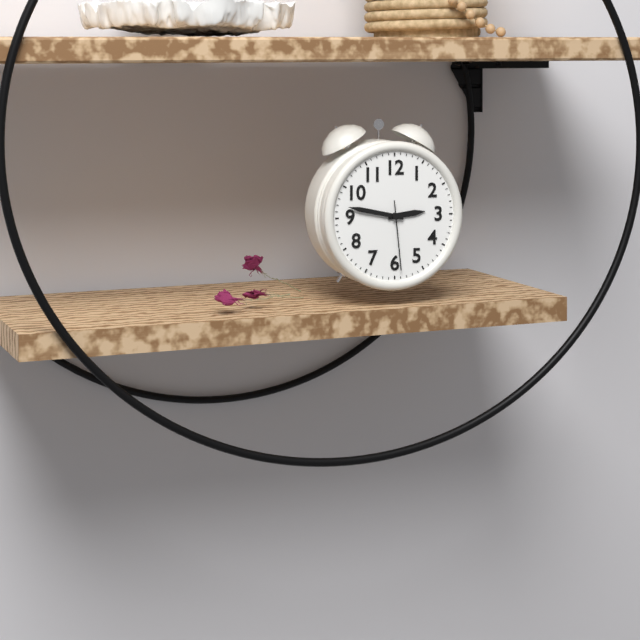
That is 2 h 47 min 29 s
